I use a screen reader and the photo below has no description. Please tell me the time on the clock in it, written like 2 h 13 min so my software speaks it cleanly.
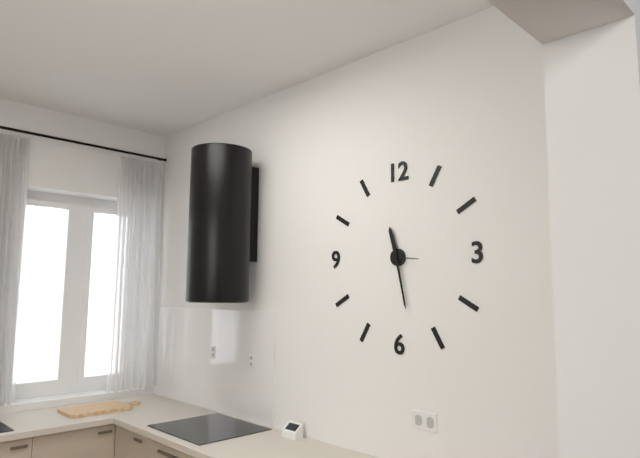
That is 11 h 28 min
